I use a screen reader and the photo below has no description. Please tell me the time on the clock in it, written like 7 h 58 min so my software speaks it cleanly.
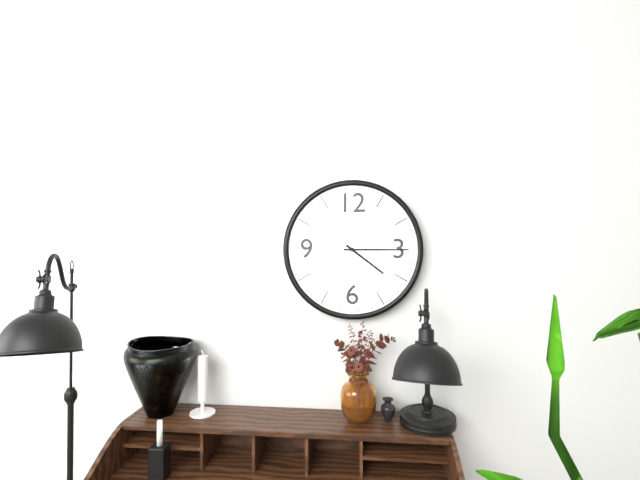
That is 4 h 15 min
